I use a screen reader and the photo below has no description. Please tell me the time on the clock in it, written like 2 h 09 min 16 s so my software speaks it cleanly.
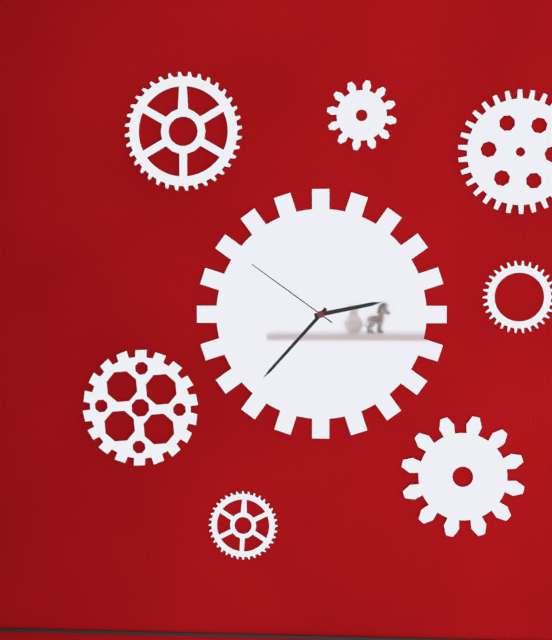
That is 2 h 37 min 51 s
